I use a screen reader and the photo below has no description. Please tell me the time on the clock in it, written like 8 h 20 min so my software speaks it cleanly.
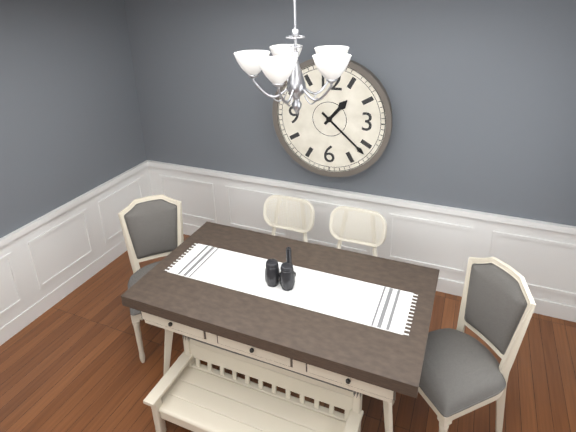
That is 1 h 22 min
